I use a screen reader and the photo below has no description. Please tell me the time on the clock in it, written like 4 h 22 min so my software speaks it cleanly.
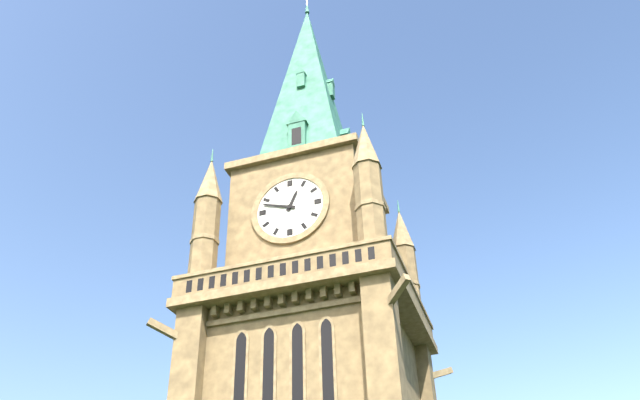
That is 12 h 48 min
